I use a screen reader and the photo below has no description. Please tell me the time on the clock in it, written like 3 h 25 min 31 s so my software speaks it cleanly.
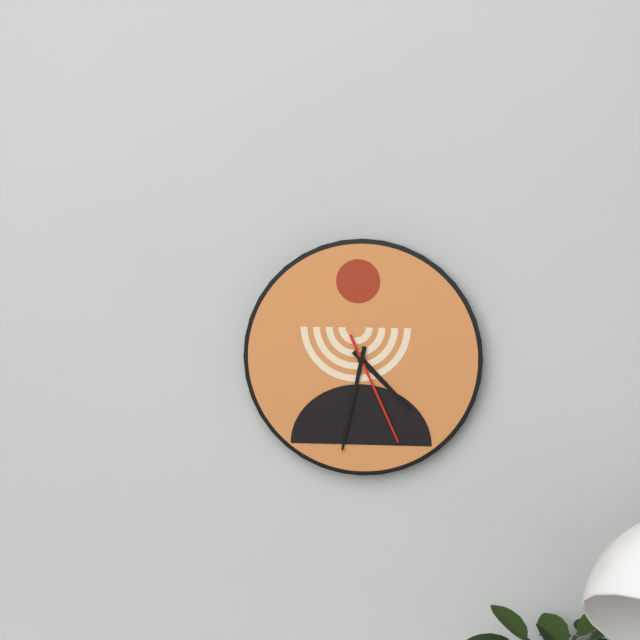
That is 4 h 32 min 26 s
